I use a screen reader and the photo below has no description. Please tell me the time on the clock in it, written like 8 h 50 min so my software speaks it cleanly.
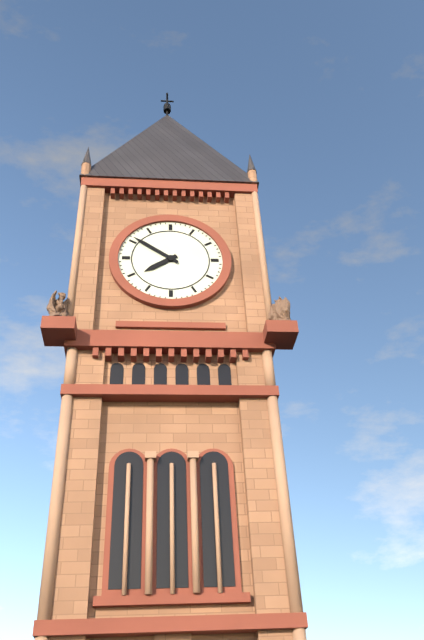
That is 7 h 51 min
